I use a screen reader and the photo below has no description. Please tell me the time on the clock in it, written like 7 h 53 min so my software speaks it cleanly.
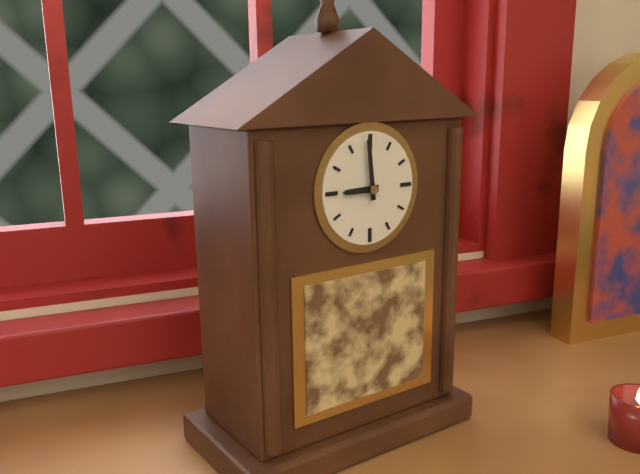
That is 8 h 59 min
